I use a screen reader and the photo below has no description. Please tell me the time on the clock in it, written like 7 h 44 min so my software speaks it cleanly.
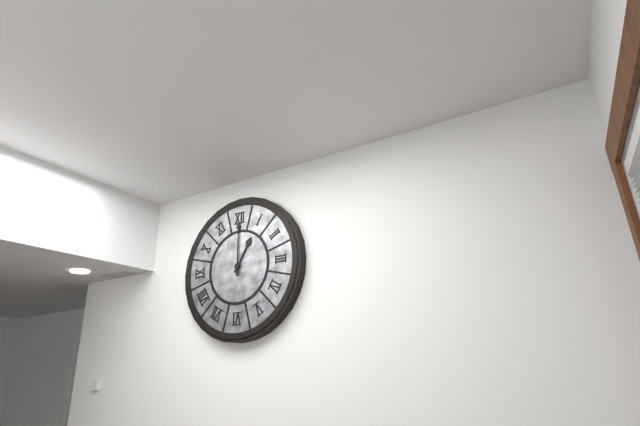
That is 1 h 00 min
